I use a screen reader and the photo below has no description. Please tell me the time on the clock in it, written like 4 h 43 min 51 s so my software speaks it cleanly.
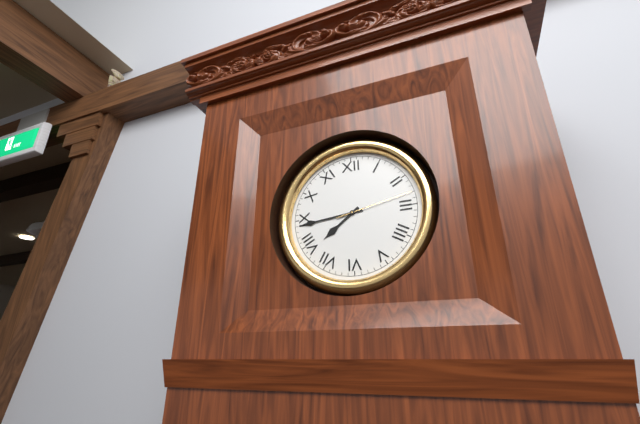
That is 7 h 44 min 13 s
